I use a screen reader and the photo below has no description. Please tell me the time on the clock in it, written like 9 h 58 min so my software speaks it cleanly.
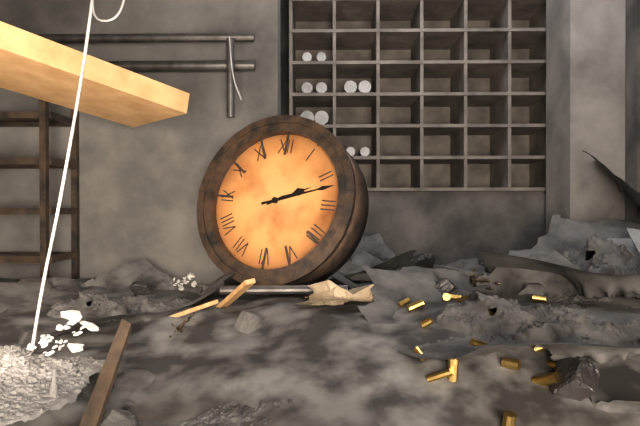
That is 2 h 12 min
